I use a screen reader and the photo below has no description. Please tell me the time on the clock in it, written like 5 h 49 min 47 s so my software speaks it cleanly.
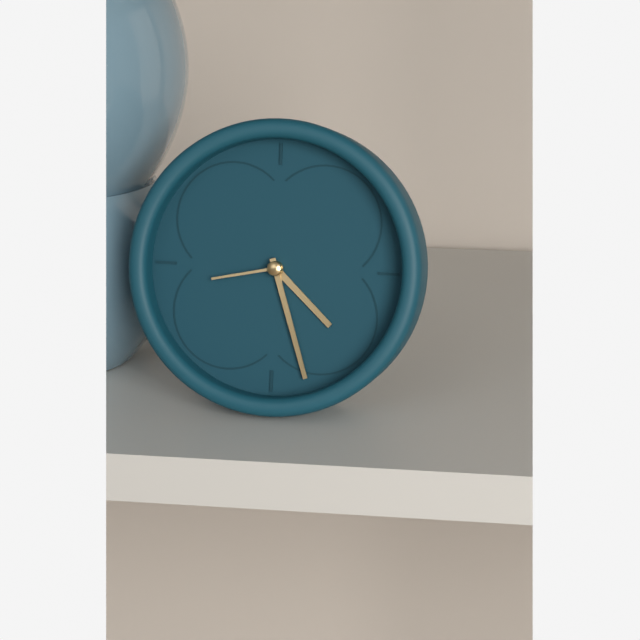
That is 4 h 27 min 43 s
